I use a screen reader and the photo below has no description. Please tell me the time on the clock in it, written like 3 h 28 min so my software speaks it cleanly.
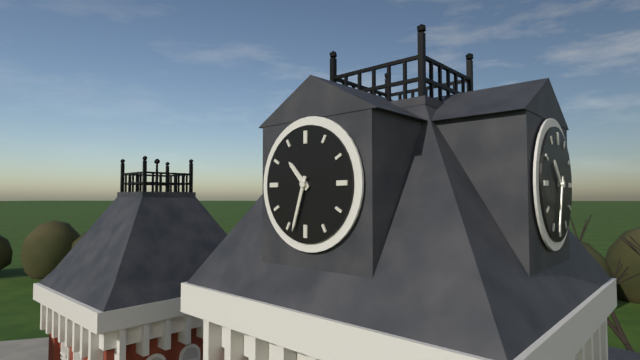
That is 10 h 33 min
